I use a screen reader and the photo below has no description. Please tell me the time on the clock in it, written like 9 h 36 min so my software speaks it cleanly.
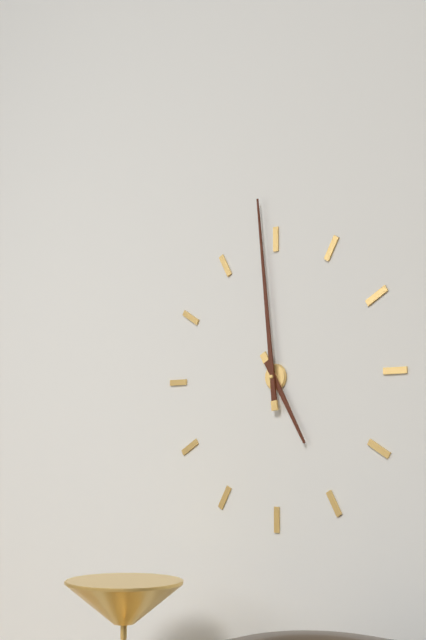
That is 4 h 59 min
